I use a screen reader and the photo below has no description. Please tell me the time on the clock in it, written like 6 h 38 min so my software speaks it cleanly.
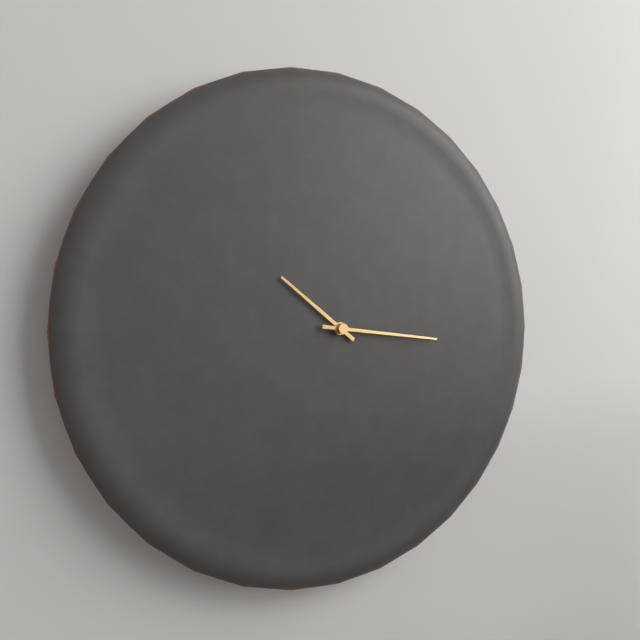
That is 10 h 16 min
